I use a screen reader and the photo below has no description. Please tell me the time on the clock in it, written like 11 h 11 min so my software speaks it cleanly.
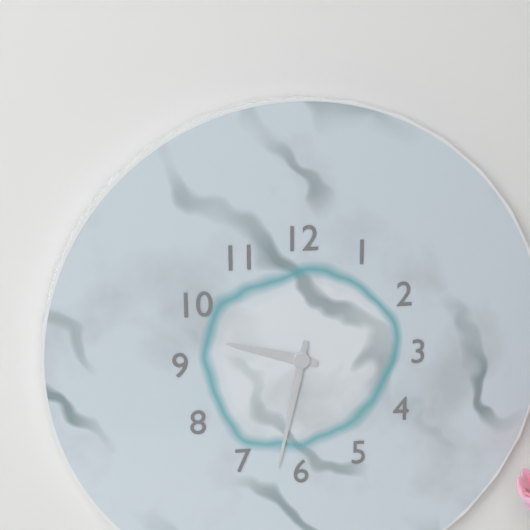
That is 9 h 32 min
